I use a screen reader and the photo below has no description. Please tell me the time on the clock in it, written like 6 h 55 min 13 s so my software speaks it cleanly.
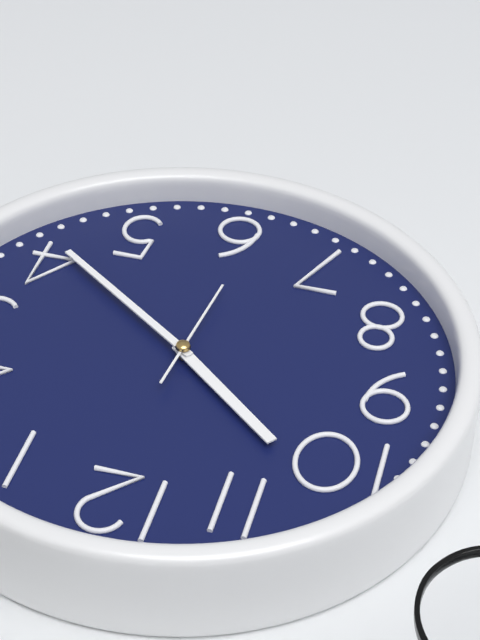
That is 10 h 21 min 31 s
